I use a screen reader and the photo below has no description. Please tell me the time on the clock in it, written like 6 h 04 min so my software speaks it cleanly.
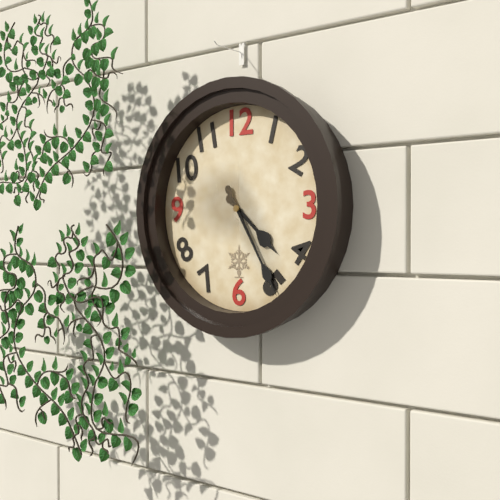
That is 4 h 25 min
